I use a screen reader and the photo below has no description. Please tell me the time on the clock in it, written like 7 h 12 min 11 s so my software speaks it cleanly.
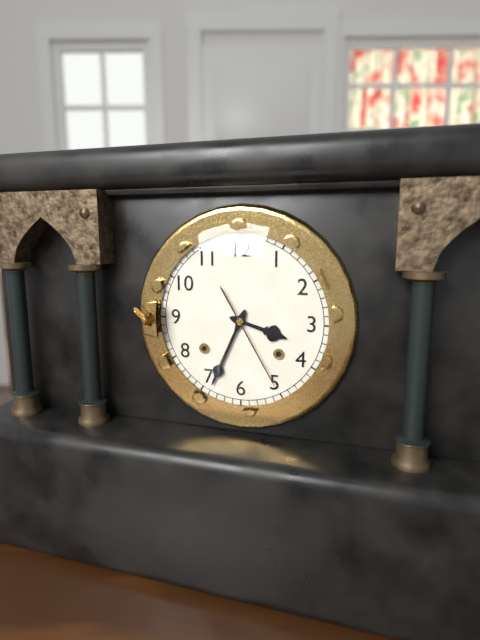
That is 3 h 34 min 25 s
